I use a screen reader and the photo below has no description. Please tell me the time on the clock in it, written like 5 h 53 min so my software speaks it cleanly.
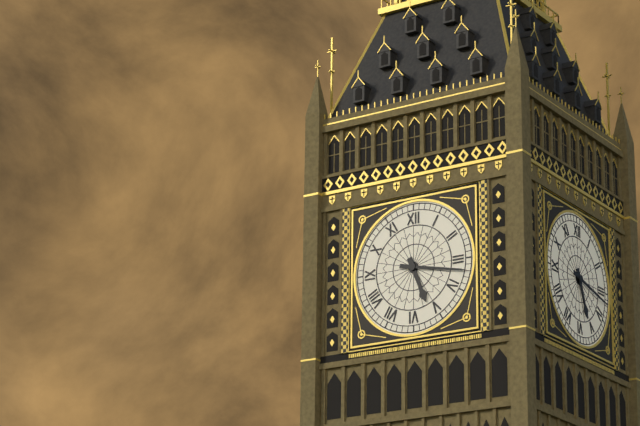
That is 5 h 17 min
